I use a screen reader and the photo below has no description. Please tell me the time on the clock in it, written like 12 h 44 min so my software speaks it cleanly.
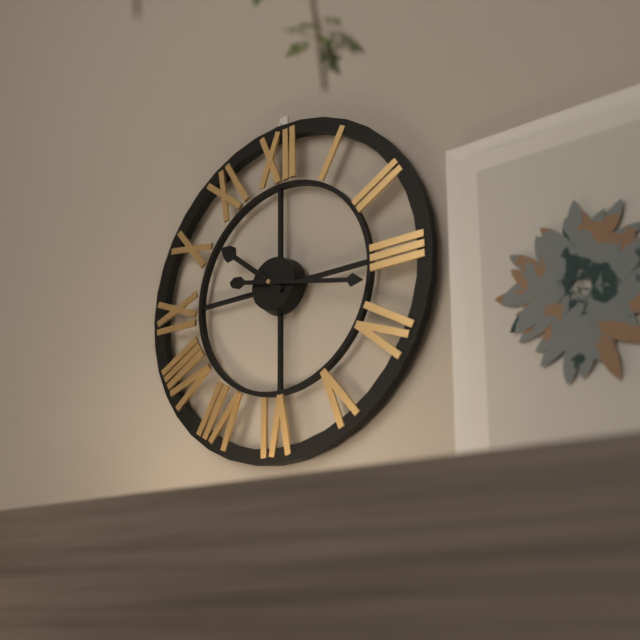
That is 10 h 17 min
